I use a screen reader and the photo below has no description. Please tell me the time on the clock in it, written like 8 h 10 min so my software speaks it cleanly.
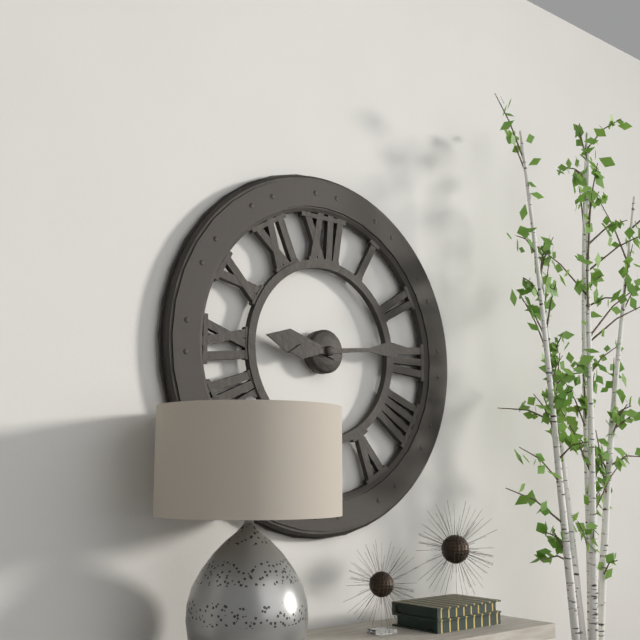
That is 9 h 14 min
